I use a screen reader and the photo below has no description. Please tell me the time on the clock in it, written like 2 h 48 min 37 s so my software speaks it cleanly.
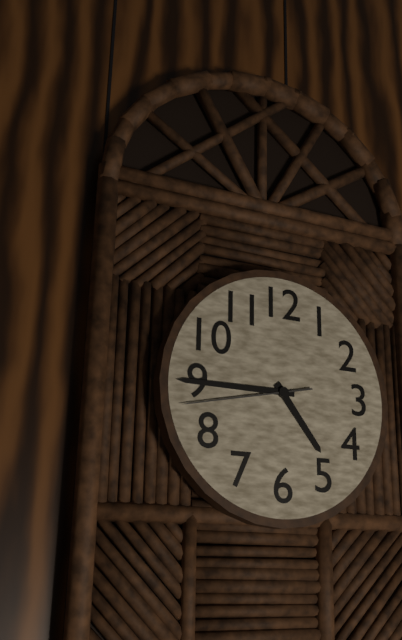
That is 4 h 45 min 43 s
